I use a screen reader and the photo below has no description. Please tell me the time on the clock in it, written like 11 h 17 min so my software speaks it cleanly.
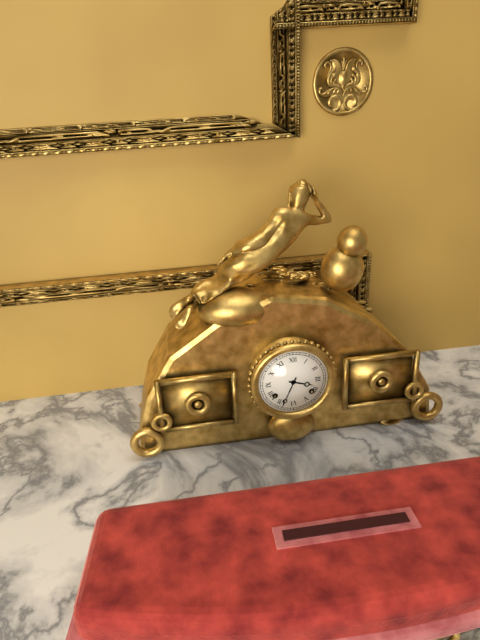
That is 3 h 34 min
